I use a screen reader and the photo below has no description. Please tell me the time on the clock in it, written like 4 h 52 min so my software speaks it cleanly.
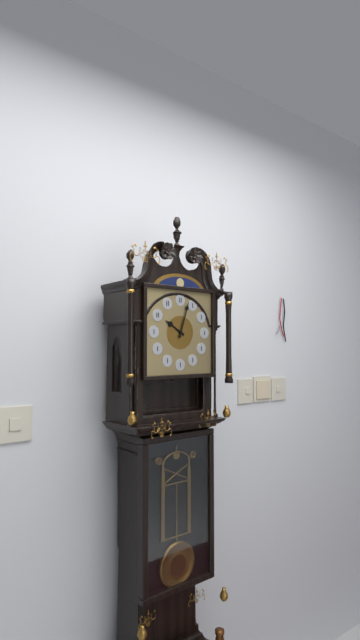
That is 10 h 03 min
